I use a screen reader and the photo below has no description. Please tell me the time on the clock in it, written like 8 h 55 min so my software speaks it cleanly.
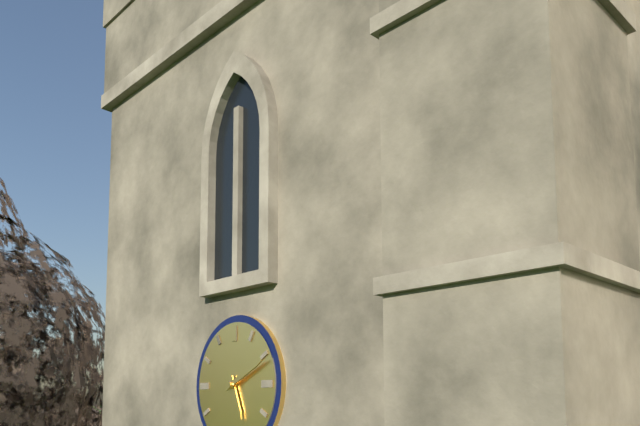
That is 5 h 11 min
